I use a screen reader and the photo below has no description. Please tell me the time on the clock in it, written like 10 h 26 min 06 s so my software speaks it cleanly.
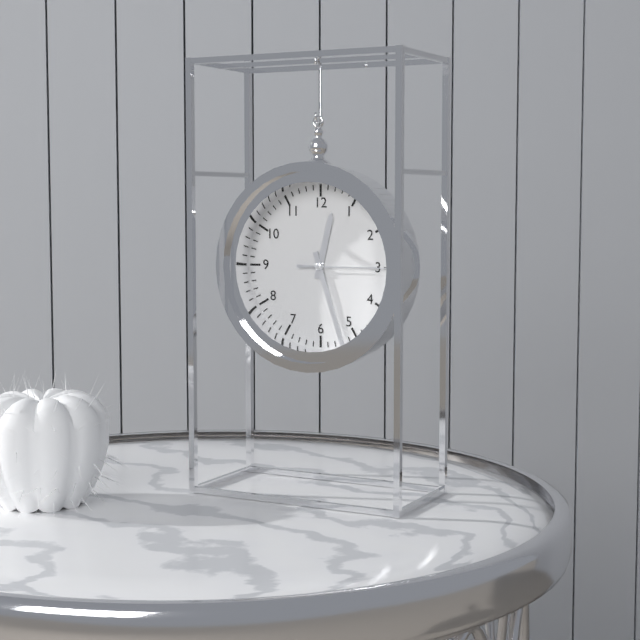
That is 12 h 27 min 15 s
